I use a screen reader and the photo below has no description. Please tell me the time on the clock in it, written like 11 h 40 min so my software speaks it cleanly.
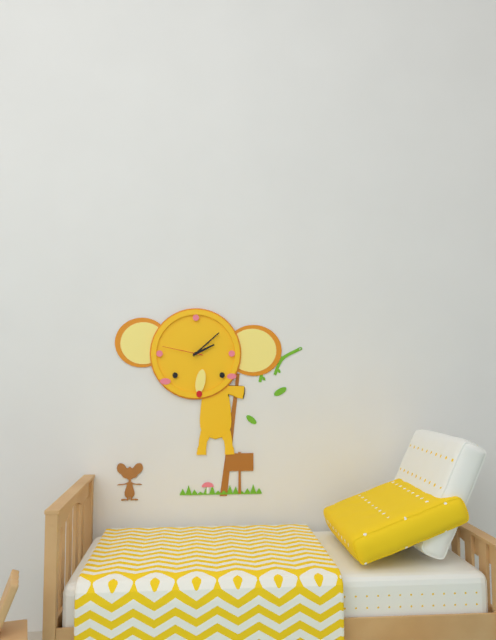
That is 2 h 08 min
